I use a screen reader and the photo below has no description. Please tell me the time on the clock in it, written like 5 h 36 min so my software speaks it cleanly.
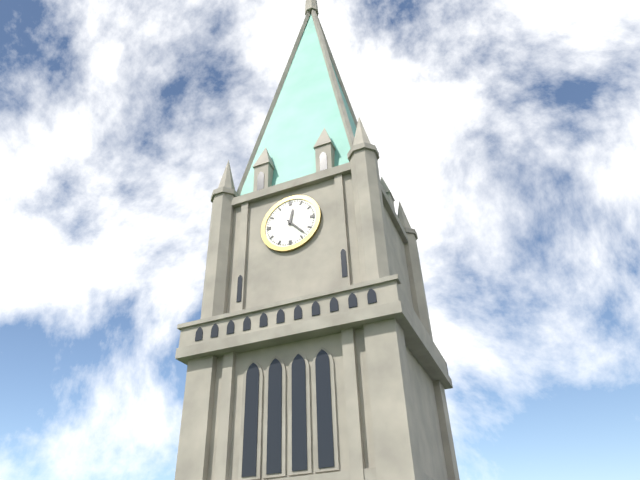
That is 12 h 23 min
